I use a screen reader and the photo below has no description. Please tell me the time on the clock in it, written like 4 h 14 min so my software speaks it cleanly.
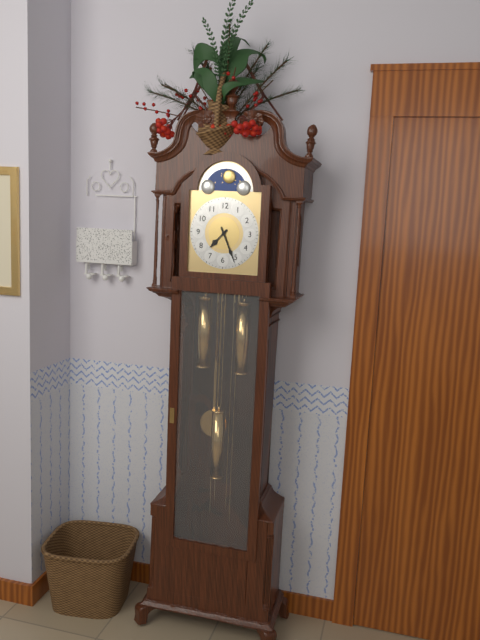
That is 7 h 26 min
